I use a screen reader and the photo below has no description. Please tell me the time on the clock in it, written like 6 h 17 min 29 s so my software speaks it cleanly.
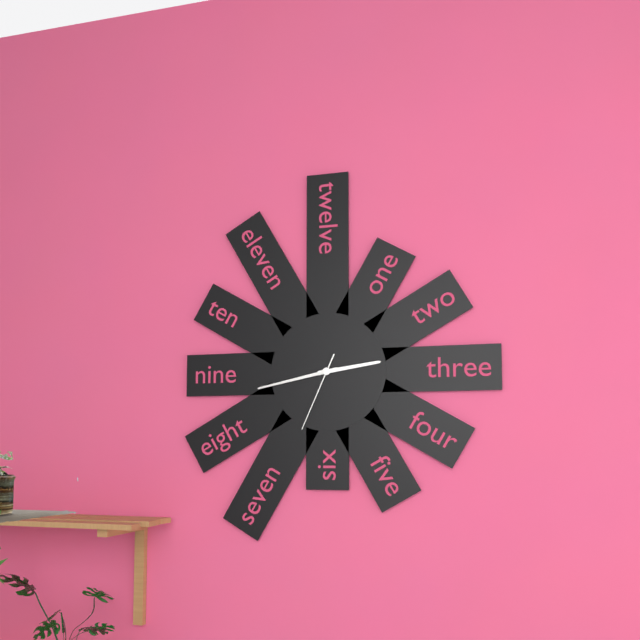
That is 2 h 43 min 34 s
